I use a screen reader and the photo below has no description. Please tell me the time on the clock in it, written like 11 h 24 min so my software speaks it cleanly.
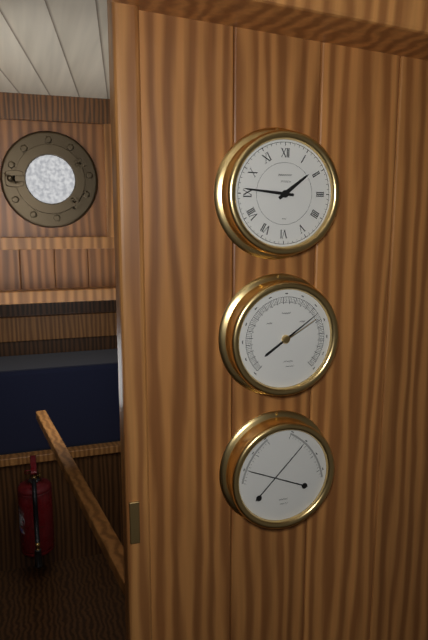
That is 1 h 46 min
